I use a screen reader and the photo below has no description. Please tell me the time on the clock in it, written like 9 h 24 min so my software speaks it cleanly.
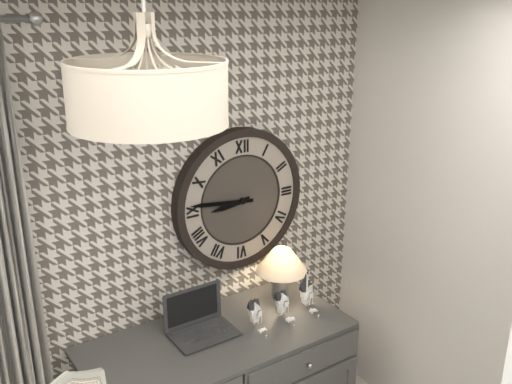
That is 8 h 46 min
